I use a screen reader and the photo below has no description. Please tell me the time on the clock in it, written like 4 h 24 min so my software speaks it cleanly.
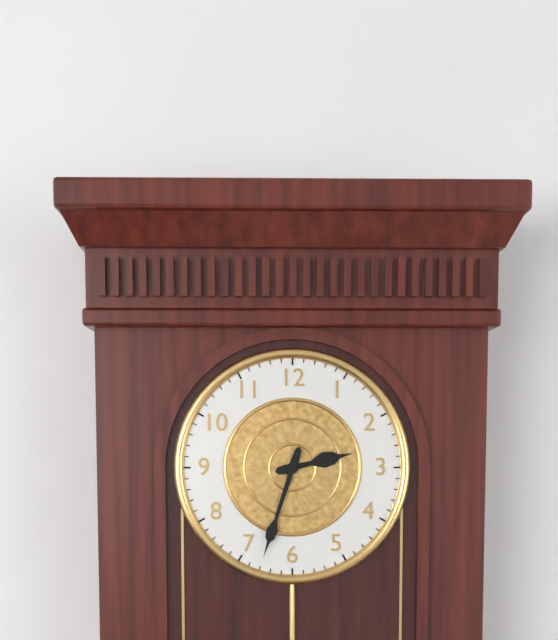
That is 2 h 33 min
